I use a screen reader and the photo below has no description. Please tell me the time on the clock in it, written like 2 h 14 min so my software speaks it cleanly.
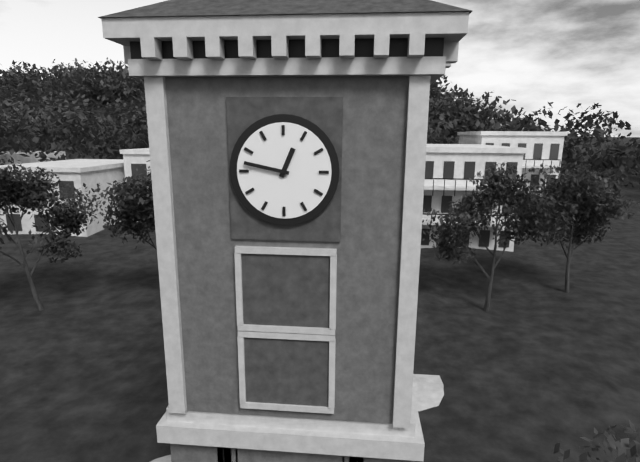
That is 12 h 47 min
